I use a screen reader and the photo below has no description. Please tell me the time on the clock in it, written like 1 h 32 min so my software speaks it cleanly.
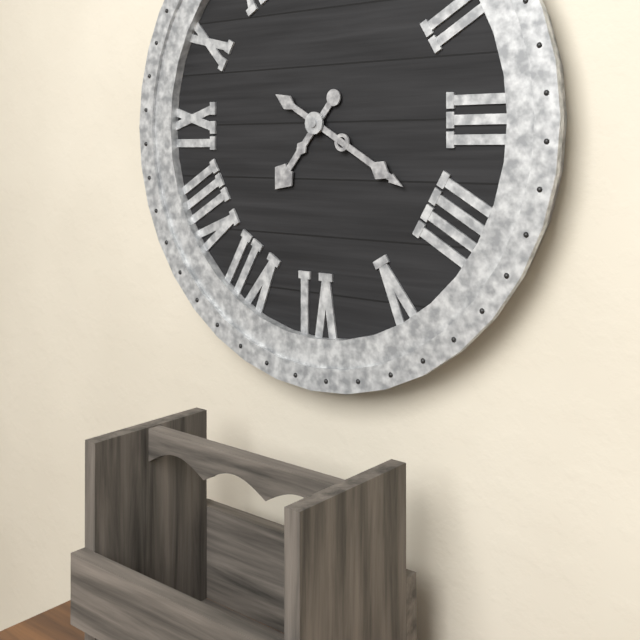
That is 7 h 20 min
